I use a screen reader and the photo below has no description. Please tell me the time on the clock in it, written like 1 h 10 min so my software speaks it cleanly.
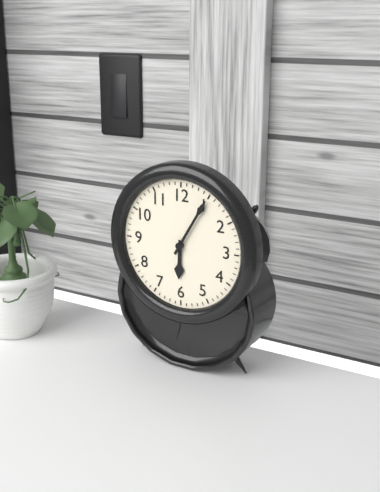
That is 6 h 05 min
